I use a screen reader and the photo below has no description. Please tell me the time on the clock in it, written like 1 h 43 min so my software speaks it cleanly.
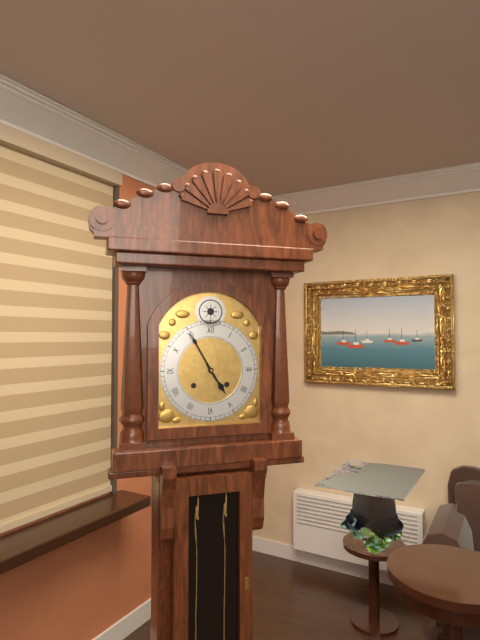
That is 4 h 55 min
